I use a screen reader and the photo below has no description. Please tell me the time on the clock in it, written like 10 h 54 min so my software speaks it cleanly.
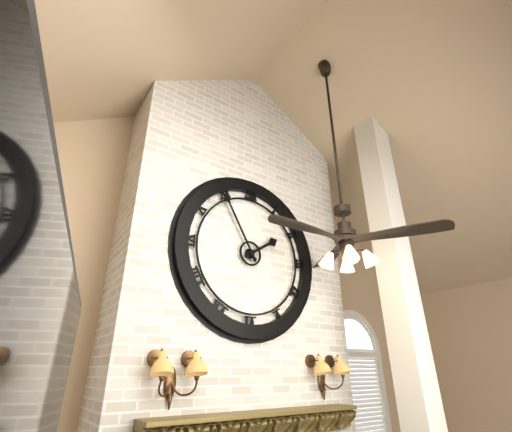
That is 1 h 55 min
